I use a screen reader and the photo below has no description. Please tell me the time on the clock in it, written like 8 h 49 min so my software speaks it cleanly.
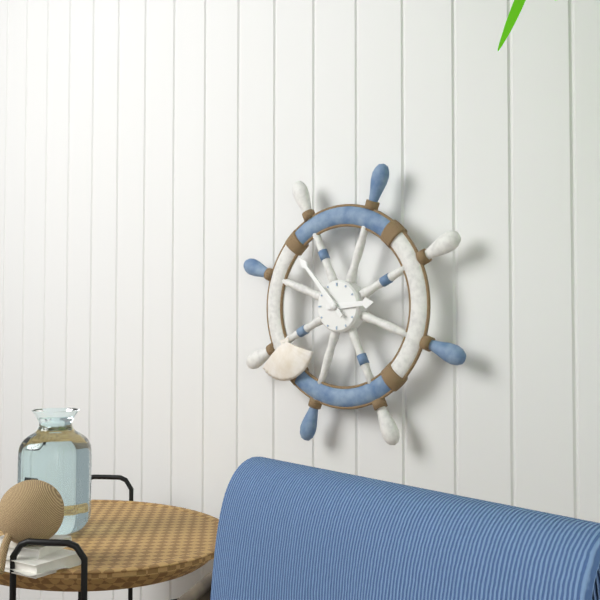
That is 2 h 53 min
